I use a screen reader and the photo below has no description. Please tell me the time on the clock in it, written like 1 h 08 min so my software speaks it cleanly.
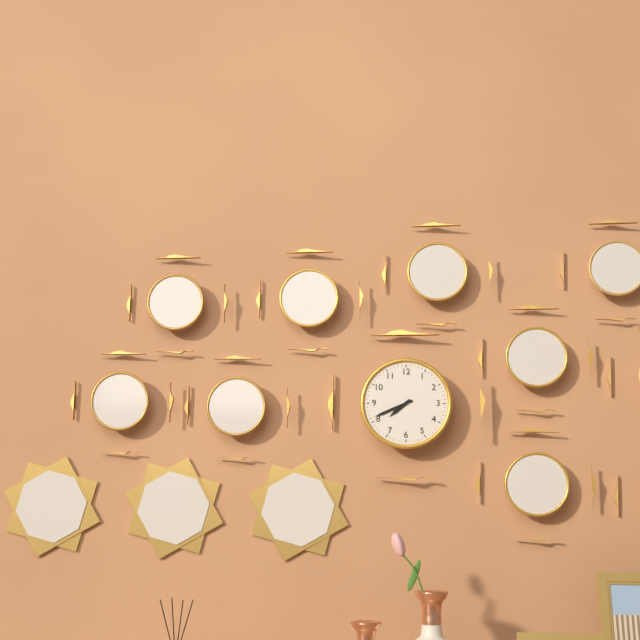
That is 7 h 41 min
